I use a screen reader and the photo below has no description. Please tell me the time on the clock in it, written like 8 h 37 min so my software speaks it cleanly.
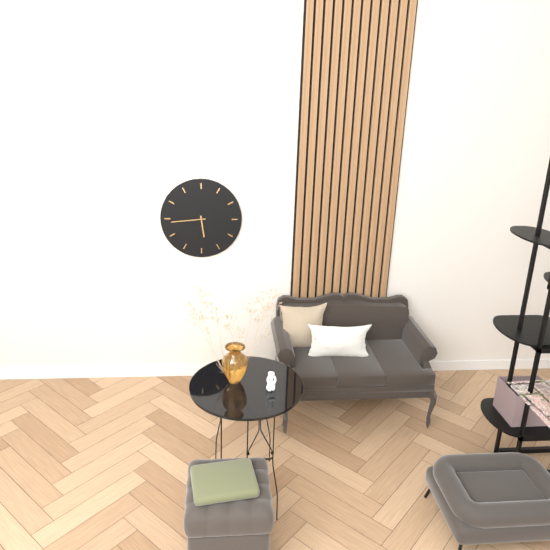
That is 5 h 44 min
